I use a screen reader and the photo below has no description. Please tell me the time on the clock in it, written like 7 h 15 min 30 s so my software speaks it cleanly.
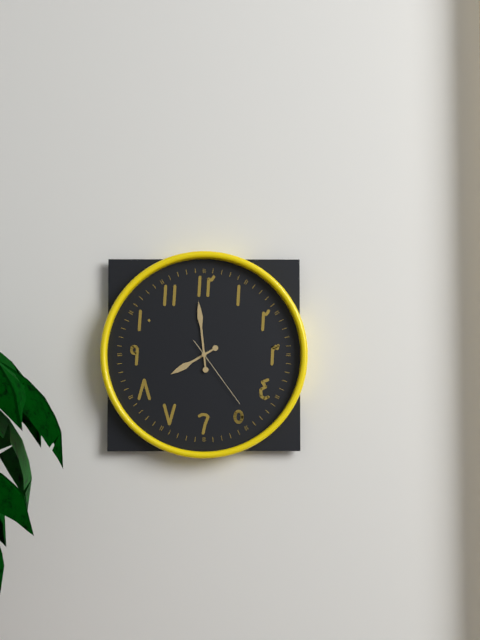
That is 7 h 59 min 24 s
